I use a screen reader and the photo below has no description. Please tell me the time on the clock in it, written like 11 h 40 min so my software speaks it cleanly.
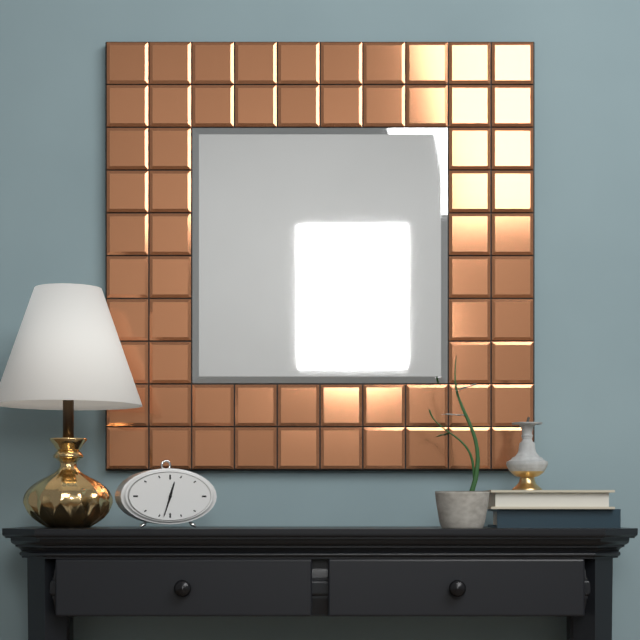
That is 12 h 33 min
